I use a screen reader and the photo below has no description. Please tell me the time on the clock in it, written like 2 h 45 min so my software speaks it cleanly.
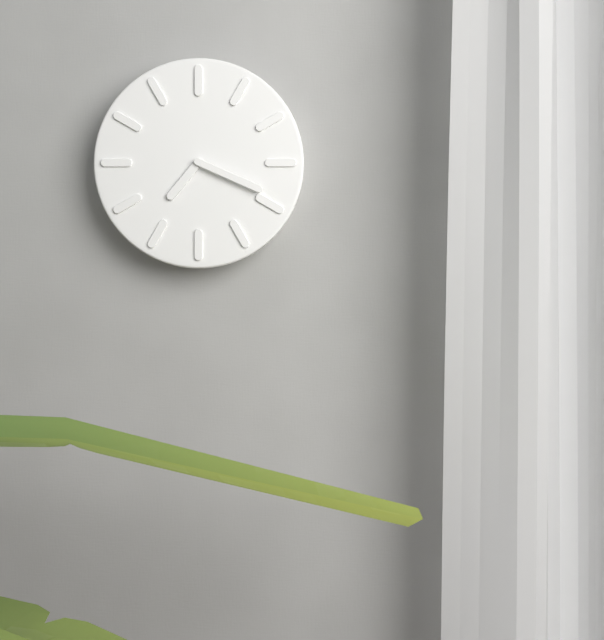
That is 7 h 19 min
